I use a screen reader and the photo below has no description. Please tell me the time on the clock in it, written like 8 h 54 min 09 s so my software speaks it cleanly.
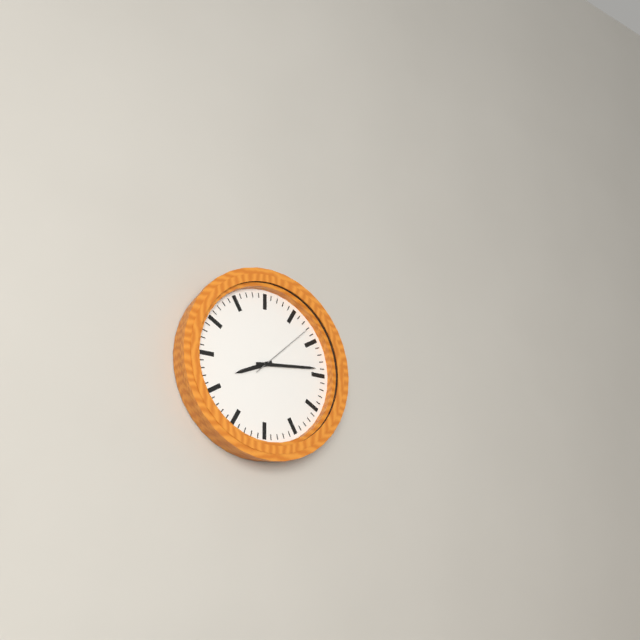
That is 8 h 14 min 08 s
